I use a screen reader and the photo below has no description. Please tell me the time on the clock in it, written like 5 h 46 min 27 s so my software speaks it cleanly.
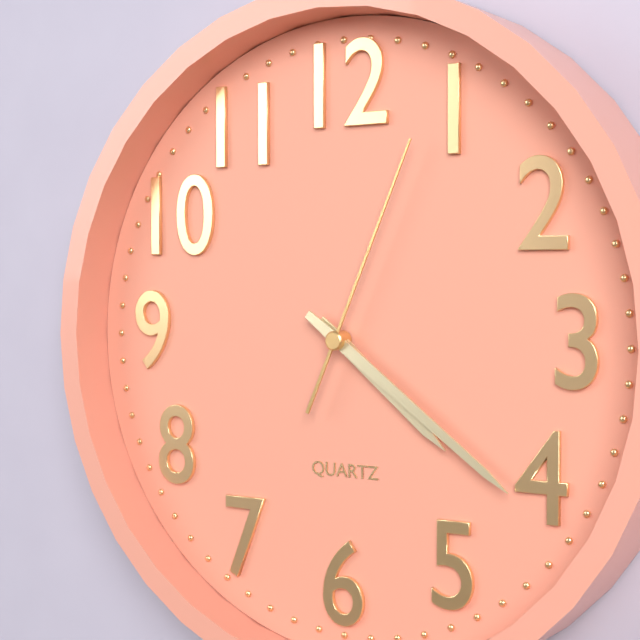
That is 4 h 21 min 04 s
